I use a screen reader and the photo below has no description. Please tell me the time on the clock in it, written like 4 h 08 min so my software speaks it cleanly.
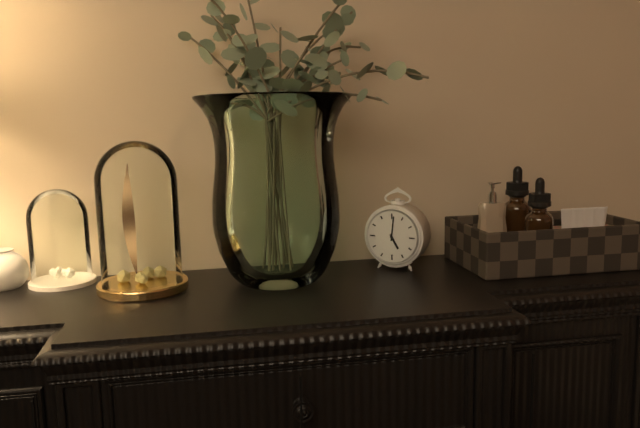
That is 5 h 01 min
